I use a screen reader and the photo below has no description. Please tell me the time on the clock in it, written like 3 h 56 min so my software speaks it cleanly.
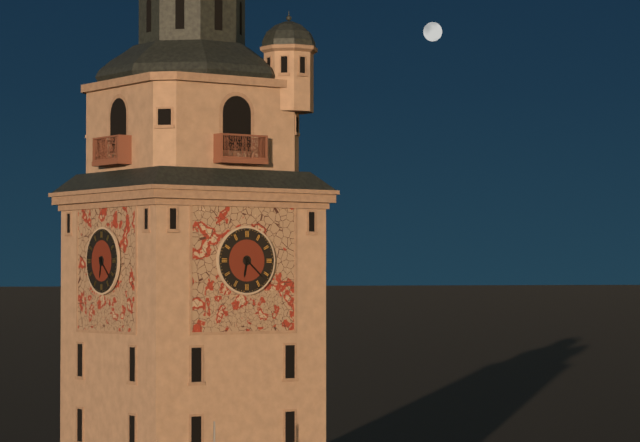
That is 6 h 22 min
